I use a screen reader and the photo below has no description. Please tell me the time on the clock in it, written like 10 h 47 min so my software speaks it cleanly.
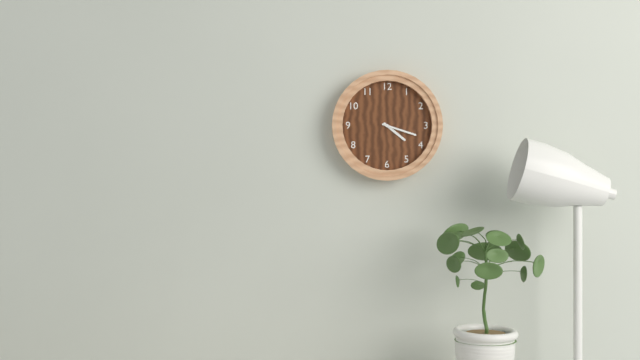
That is 4 h 18 min
